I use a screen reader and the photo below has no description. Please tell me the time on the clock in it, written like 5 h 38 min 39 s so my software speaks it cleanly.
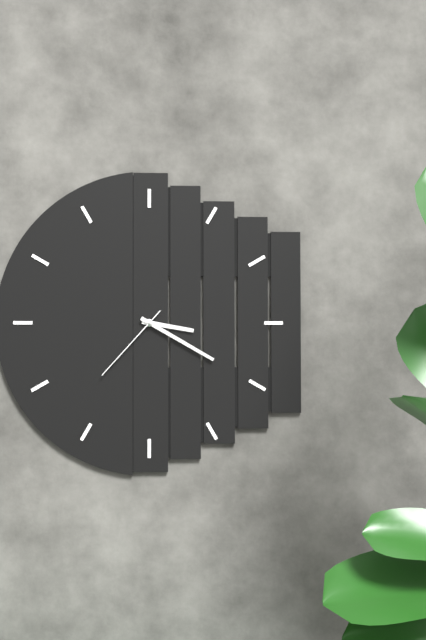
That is 3 h 20 min 37 s
